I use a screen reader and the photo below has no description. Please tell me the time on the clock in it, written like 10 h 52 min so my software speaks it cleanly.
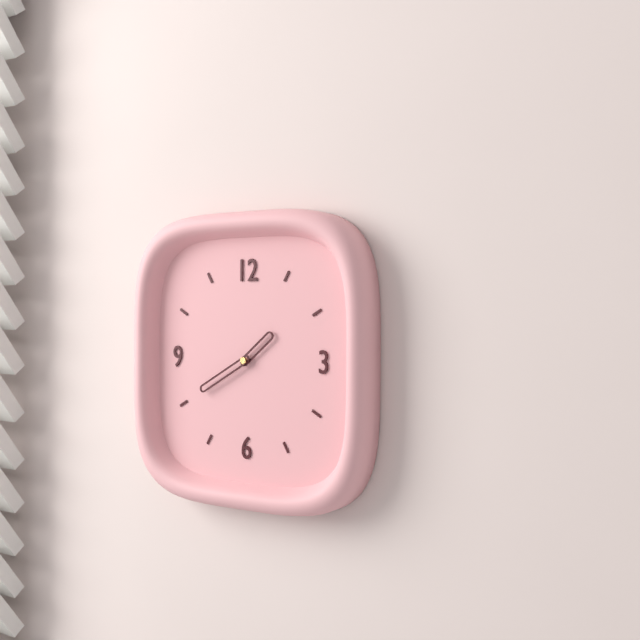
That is 1 h 40 min
